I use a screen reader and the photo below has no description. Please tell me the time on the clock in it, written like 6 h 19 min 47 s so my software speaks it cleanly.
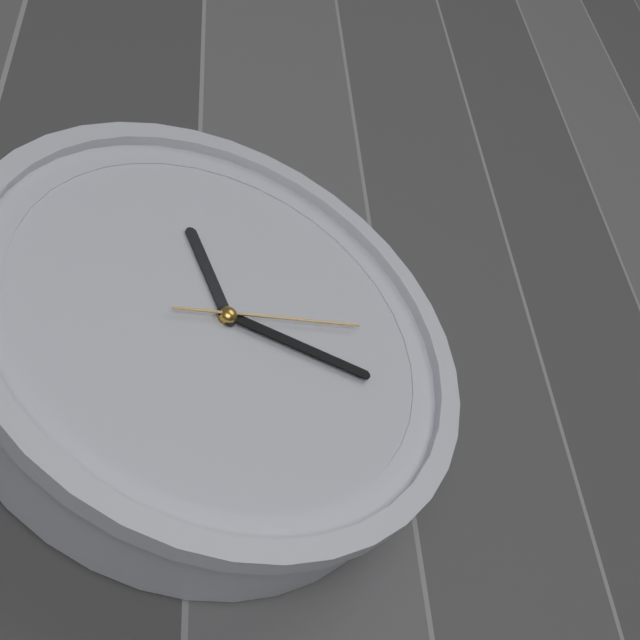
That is 11 h 17 min 13 s
